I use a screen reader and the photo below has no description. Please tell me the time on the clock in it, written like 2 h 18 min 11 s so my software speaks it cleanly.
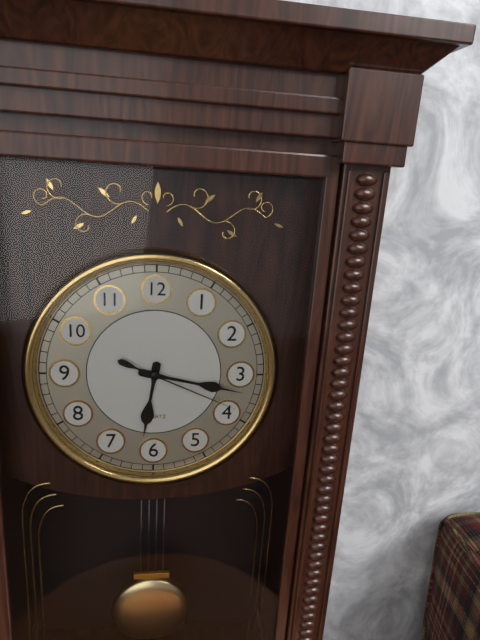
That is 6 h 17 min 19 s
